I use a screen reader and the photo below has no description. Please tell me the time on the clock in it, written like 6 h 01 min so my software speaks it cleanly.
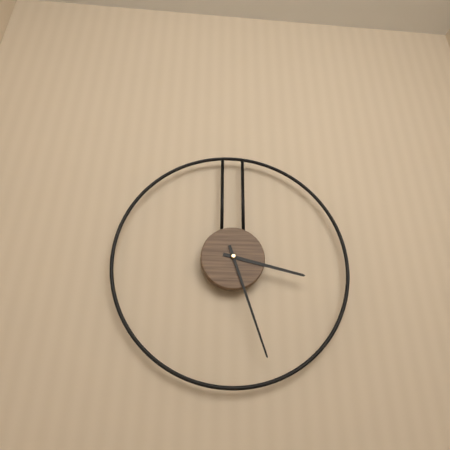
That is 3 h 27 min
